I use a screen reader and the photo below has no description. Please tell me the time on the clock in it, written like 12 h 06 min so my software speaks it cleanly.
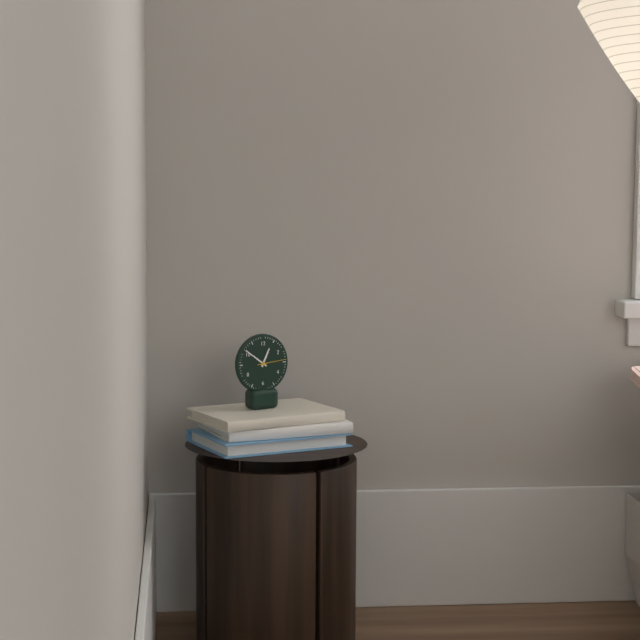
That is 12 h 51 min
